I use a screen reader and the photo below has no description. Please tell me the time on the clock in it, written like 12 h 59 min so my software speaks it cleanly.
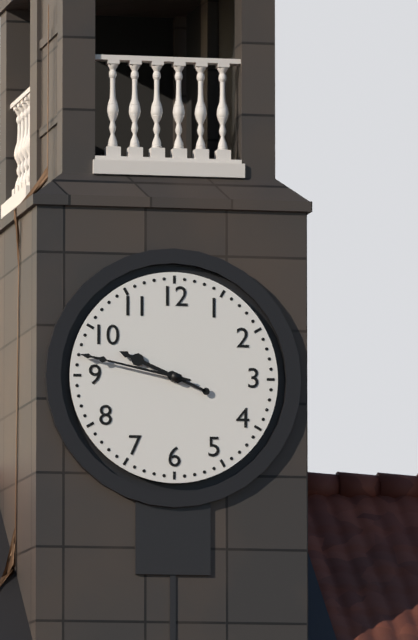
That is 9 h 47 min
